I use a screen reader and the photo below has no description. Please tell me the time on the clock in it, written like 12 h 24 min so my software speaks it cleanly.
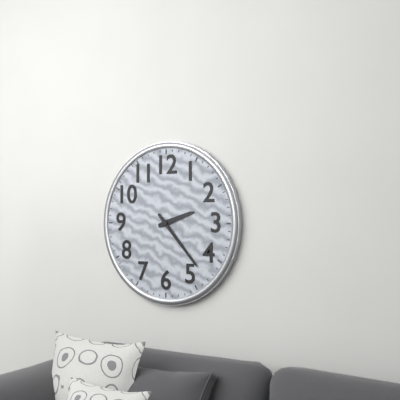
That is 2 h 23 min
